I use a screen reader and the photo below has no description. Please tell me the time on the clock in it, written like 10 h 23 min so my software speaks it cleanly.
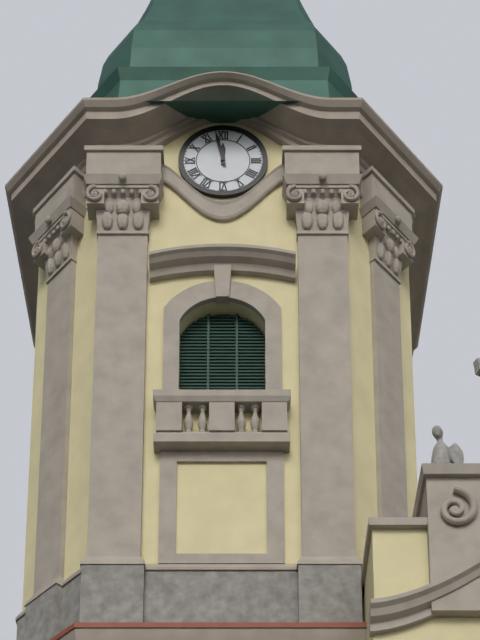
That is 11 h 58 min
